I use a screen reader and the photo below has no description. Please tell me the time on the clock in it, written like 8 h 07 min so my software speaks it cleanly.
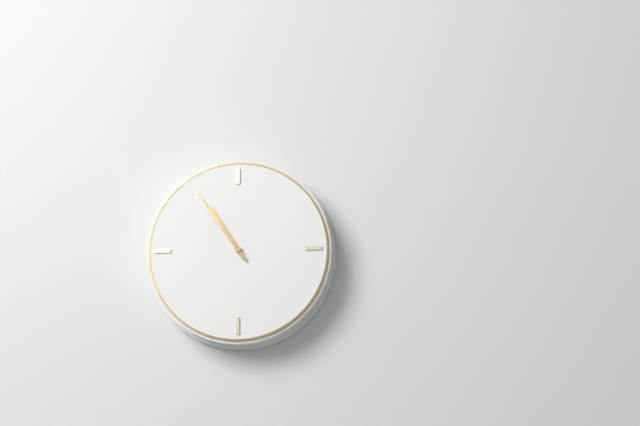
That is 10 h 54 min
